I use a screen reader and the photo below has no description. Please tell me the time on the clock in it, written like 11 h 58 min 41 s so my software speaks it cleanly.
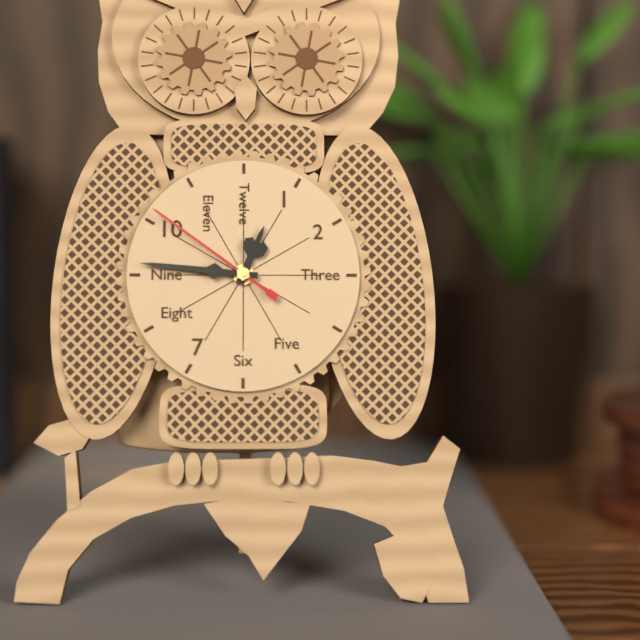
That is 12 h 46 min 51 s
